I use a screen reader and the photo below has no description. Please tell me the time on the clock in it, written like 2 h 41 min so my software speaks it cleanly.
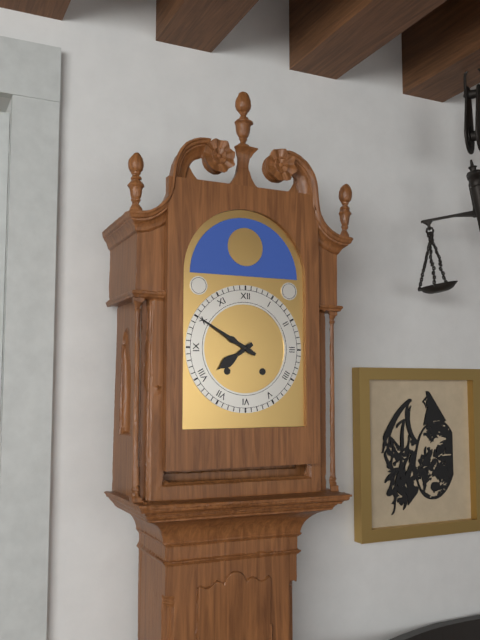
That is 7 h 50 min
